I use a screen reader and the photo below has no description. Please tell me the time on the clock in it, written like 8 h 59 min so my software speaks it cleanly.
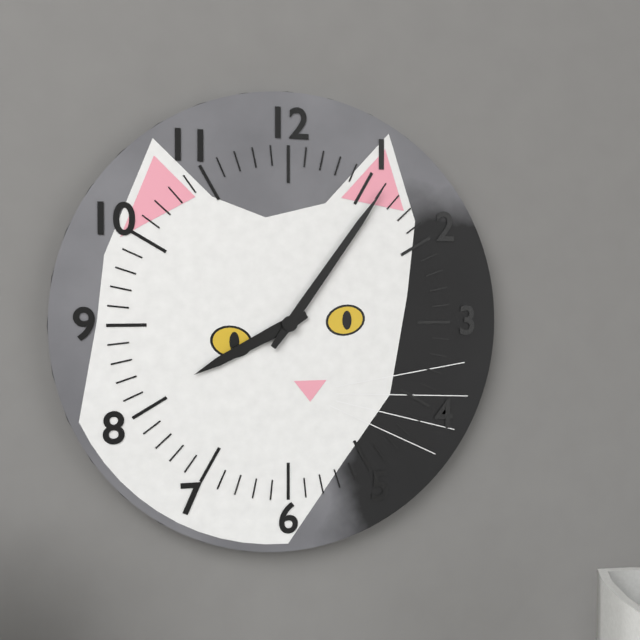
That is 8 h 06 min
